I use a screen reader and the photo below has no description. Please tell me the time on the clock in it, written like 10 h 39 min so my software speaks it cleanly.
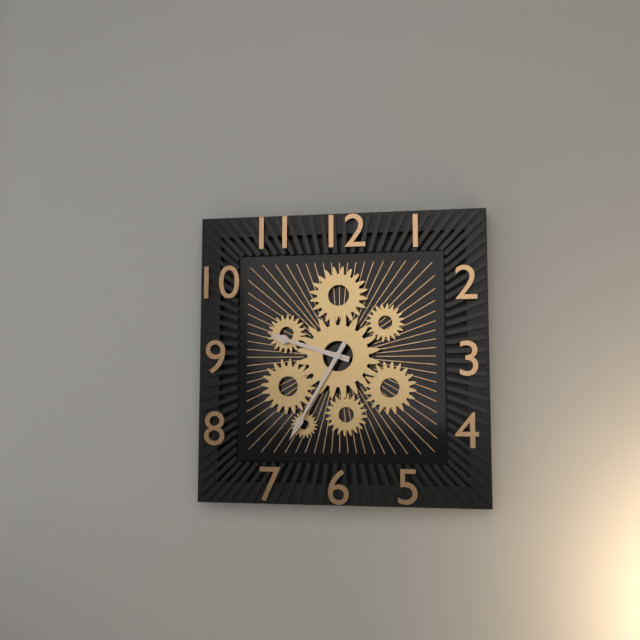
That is 9 h 35 min
